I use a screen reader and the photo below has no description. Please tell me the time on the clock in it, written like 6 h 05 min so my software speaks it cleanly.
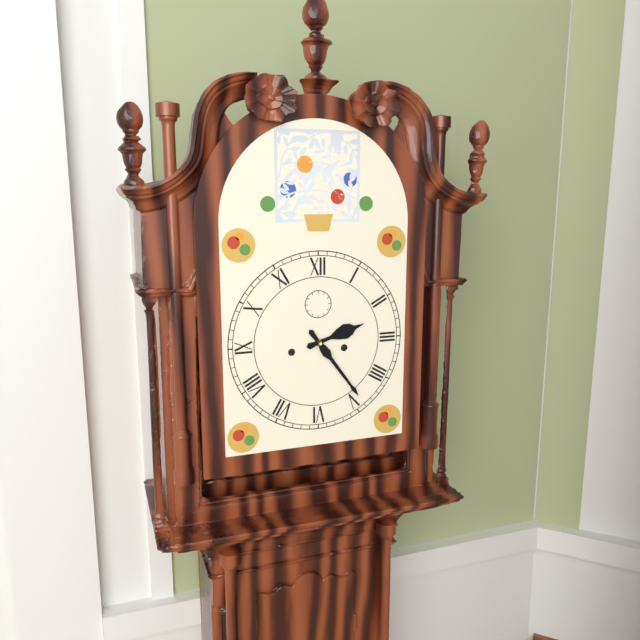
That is 2 h 24 min
